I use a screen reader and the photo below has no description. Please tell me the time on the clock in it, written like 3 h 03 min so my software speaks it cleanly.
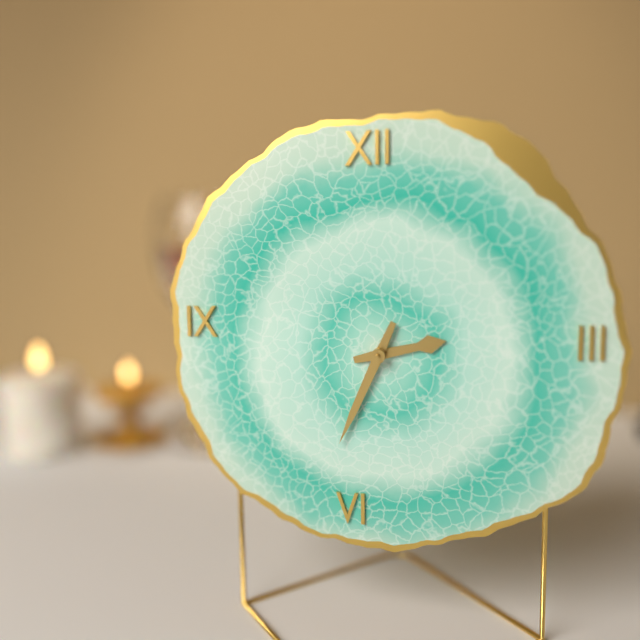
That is 2 h 34 min
